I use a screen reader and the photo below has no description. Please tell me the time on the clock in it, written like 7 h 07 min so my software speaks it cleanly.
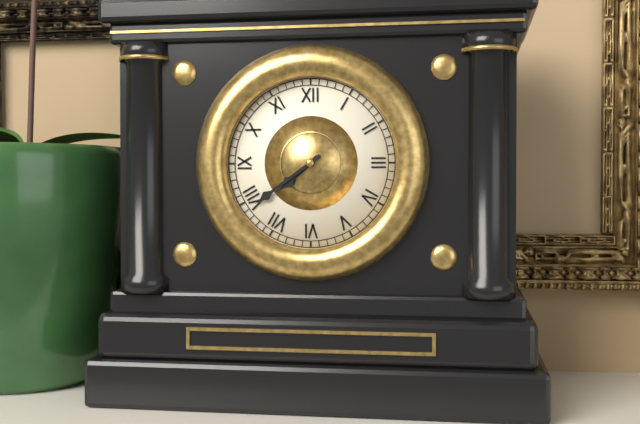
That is 7 h 39 min
